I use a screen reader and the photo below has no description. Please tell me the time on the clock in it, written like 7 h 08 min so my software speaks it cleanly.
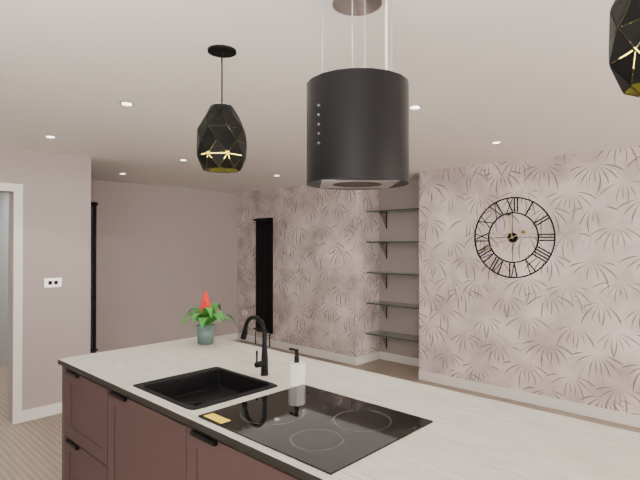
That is 11 h 41 min
